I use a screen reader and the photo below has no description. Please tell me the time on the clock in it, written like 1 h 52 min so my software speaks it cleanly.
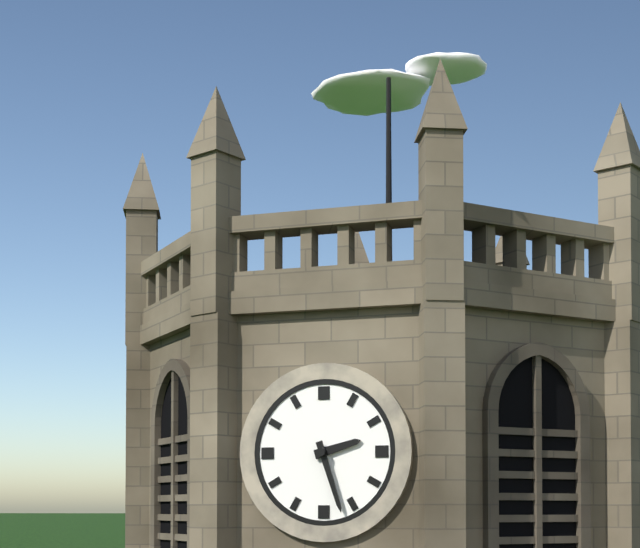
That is 2 h 27 min
